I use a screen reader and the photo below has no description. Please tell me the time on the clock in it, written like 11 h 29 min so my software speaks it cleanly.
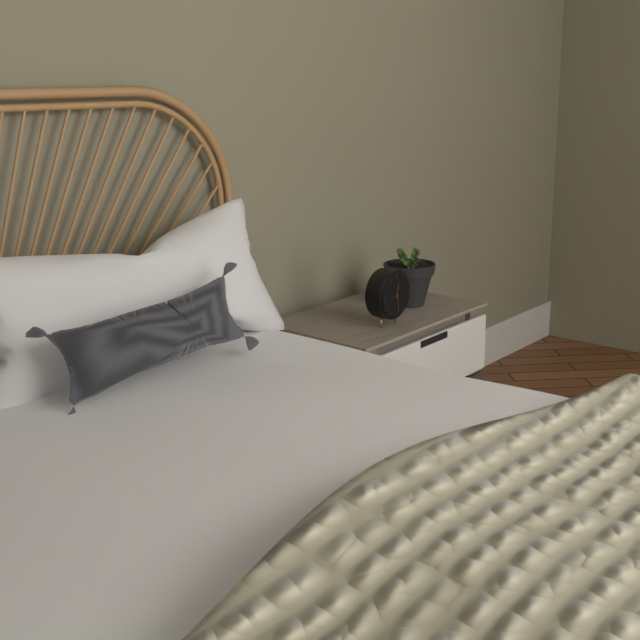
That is 12 h 29 min
